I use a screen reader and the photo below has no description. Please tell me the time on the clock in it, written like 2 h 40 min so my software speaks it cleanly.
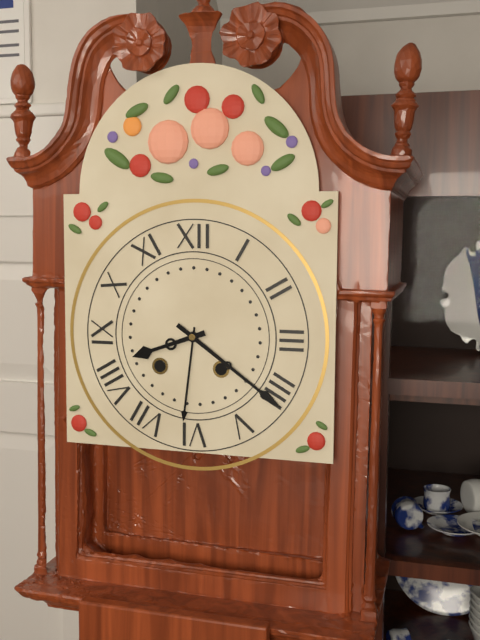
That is 8 h 21 min
